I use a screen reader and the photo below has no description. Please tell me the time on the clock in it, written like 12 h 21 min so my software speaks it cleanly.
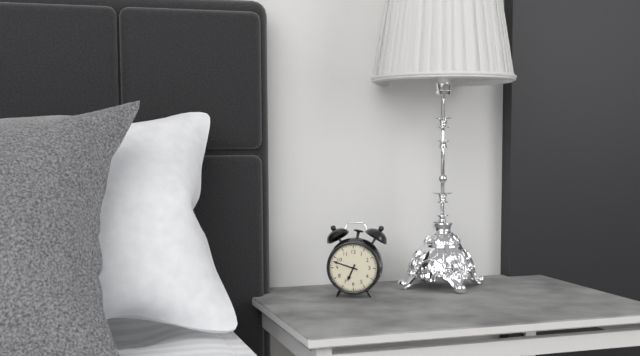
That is 6 h 48 min
